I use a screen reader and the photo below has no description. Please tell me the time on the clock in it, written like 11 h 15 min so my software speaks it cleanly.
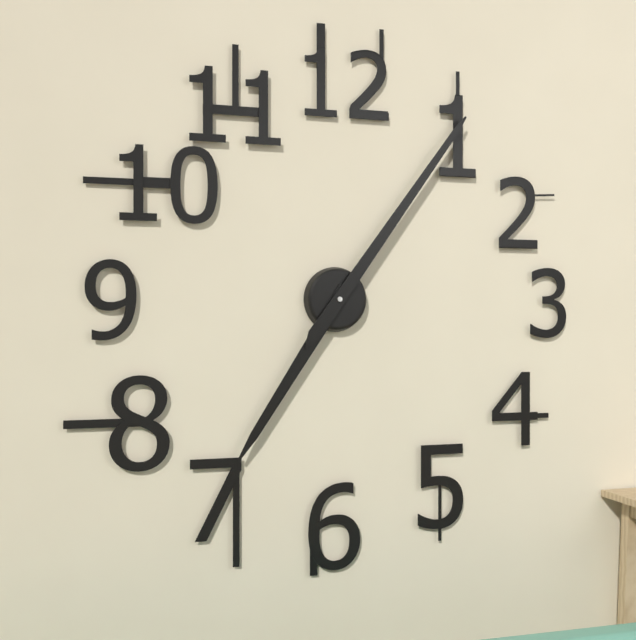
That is 7 h 06 min
